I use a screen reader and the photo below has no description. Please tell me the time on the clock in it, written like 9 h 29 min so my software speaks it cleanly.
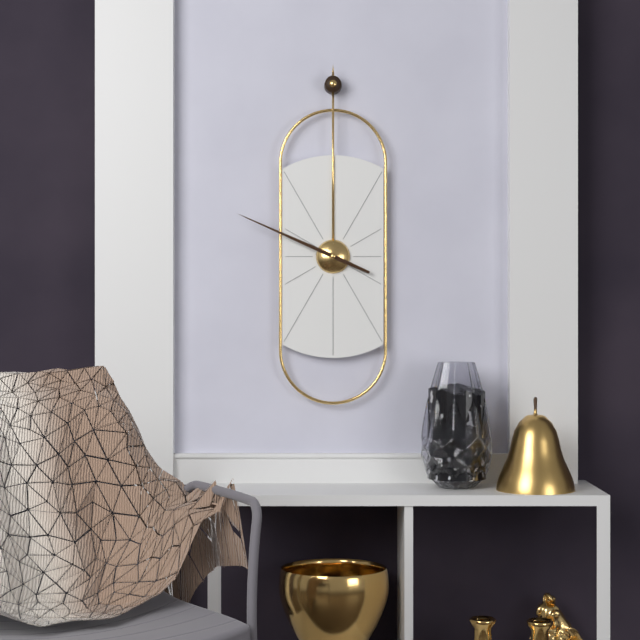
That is 9 h 49 min
